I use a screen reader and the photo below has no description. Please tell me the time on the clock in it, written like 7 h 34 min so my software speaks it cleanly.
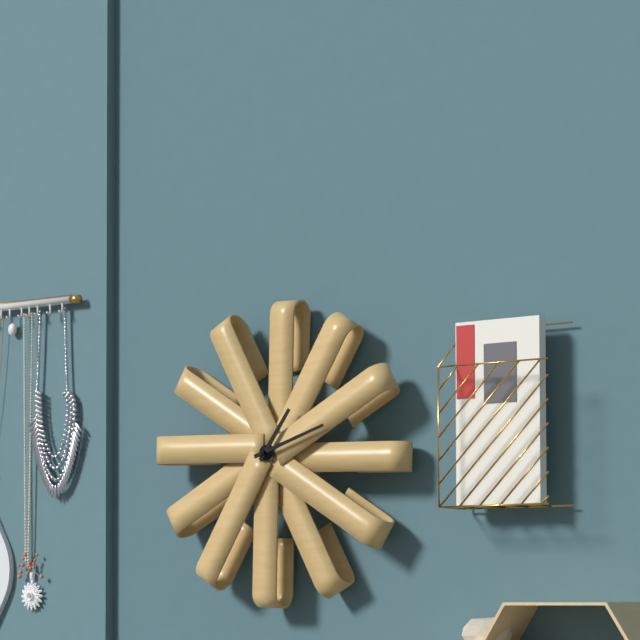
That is 1 h 12 min
